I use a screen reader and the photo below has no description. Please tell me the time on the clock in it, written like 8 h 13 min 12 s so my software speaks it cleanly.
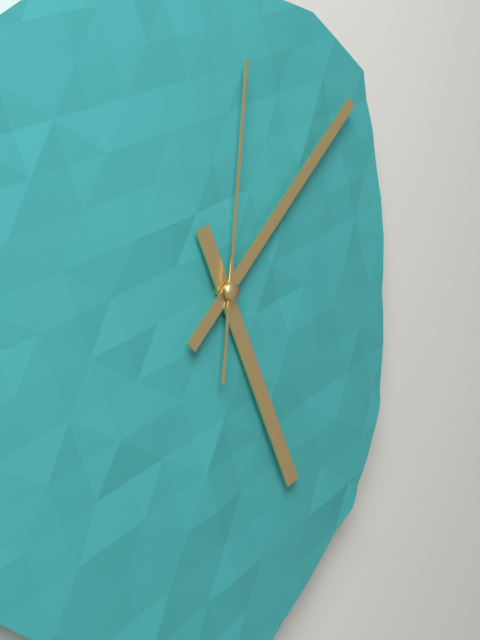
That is 5 h 07 min 01 s
